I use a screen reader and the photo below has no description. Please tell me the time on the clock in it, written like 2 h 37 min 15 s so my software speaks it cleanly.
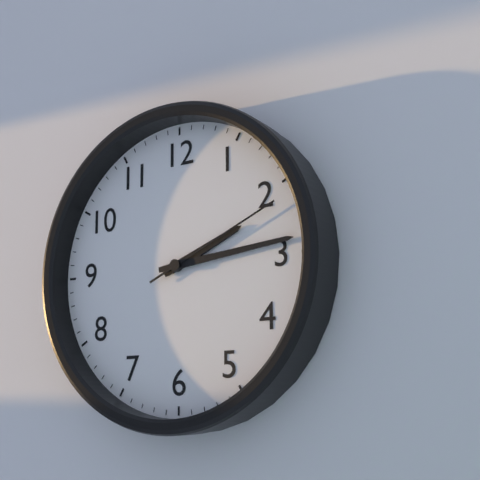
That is 2 h 14 min 11 s
